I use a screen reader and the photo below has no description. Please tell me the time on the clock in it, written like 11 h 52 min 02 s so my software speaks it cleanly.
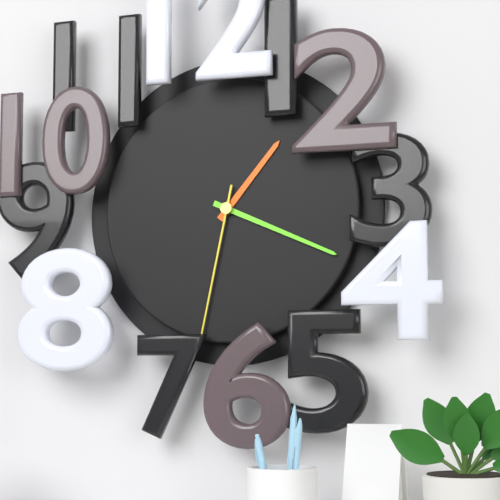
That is 1 h 19 min 32 s
